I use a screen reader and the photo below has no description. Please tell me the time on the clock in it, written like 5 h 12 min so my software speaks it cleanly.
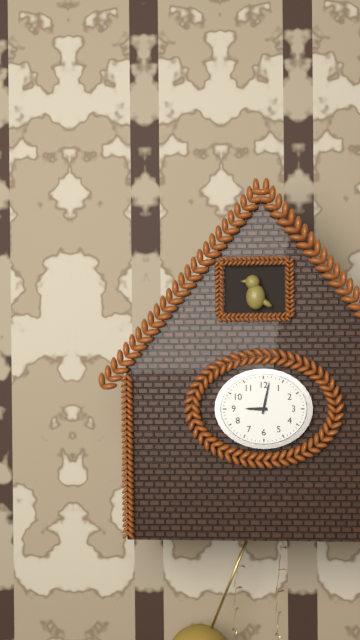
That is 9 h 02 min
